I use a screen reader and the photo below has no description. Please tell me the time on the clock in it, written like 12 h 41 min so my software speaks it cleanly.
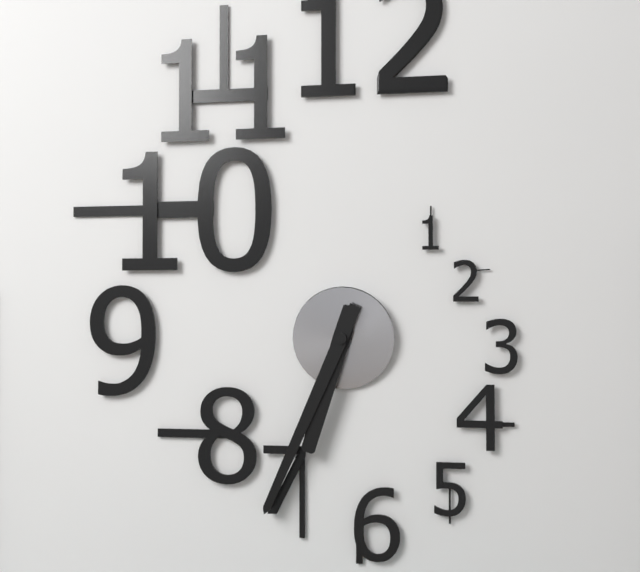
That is 6 h 34 min
